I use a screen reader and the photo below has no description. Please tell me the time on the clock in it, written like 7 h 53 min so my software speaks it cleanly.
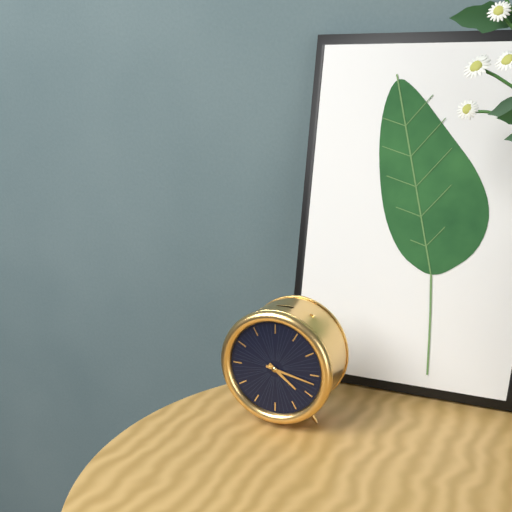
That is 4 h 17 min
